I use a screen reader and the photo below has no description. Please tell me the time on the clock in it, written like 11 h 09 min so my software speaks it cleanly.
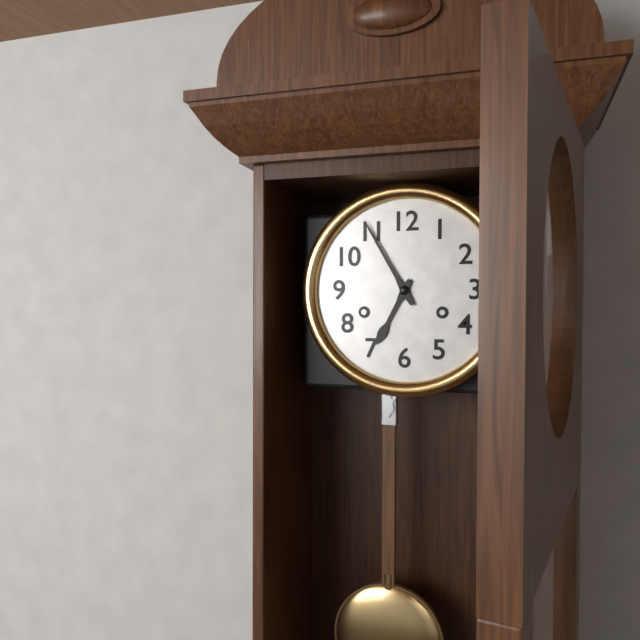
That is 6 h 55 min
